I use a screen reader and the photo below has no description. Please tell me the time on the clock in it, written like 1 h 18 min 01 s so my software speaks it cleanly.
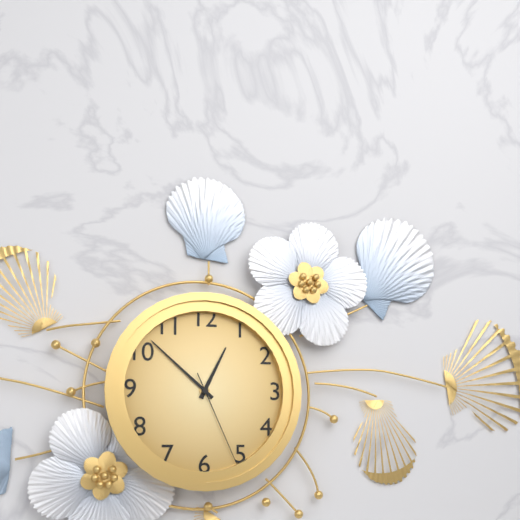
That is 12 h 52 min 26 s
